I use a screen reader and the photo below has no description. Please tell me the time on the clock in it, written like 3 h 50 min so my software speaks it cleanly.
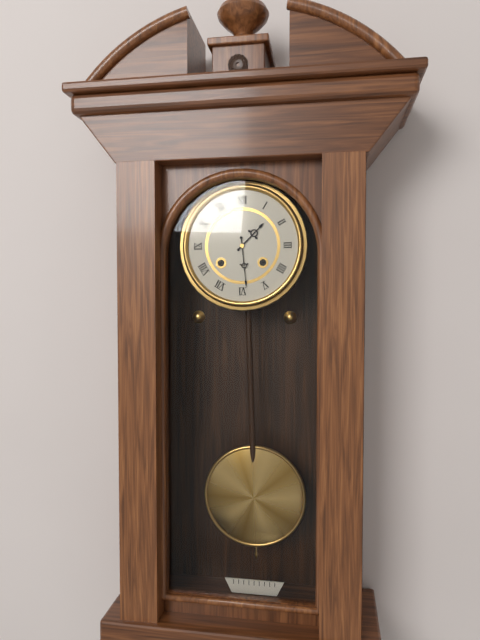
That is 1 h 29 min
